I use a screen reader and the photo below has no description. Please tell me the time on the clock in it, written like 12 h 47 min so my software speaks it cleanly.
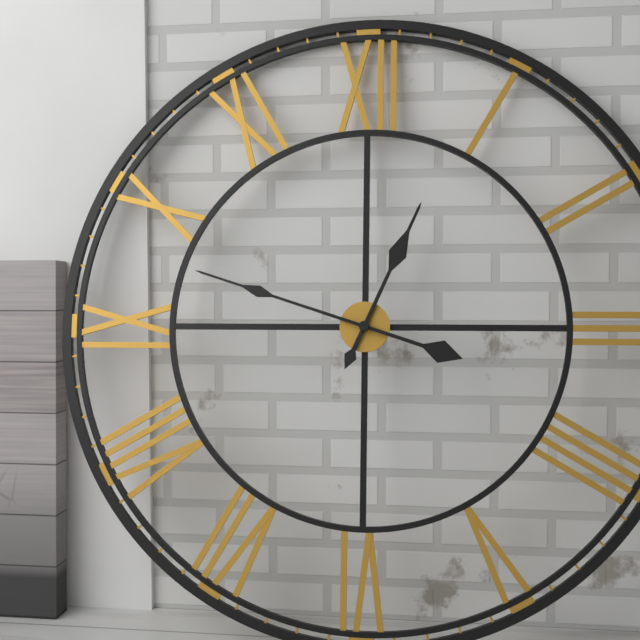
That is 12 h 48 min
